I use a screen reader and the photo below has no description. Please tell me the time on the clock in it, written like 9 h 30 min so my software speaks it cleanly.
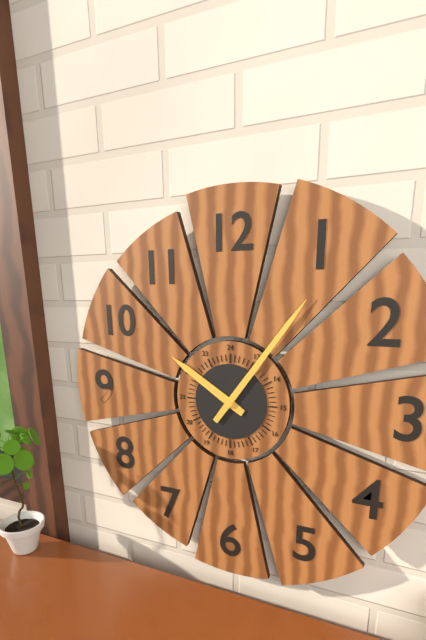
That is 10 h 06 min
